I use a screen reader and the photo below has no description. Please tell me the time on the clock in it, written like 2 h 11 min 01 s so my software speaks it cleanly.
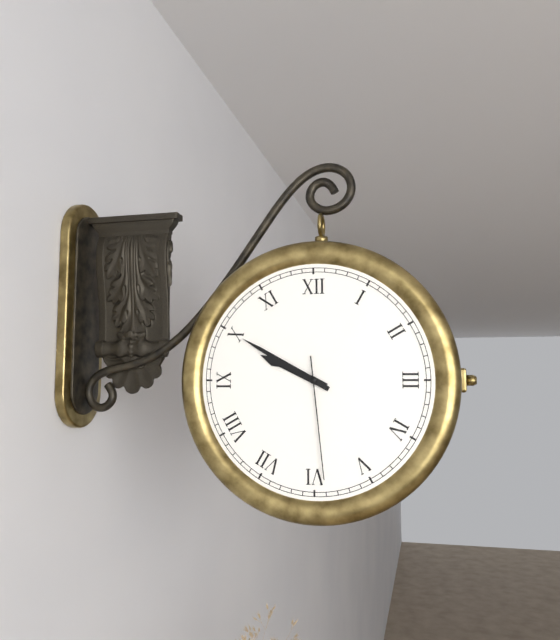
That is 9 h 50 min 29 s
